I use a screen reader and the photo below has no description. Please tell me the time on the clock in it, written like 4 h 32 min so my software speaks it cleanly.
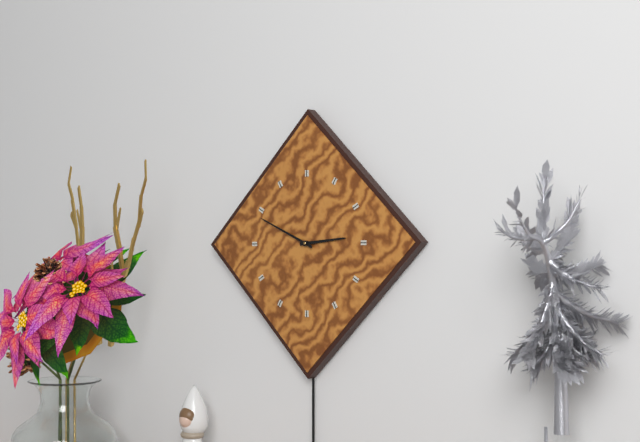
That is 2 h 49 min
